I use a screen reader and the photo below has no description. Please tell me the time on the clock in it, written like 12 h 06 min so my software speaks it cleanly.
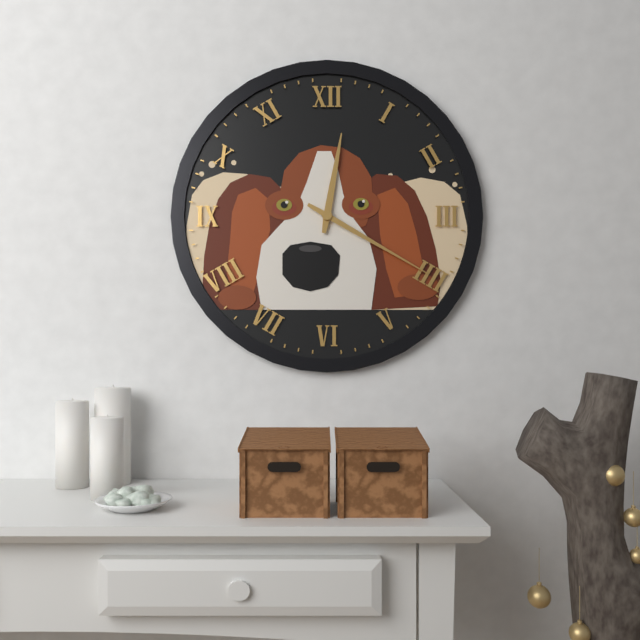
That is 12 h 20 min
